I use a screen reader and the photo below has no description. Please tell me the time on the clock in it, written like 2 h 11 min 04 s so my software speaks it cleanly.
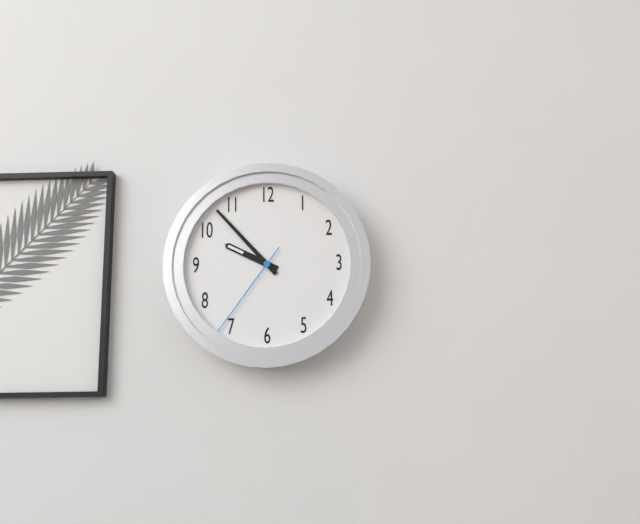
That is 9 h 53 min 36 s
